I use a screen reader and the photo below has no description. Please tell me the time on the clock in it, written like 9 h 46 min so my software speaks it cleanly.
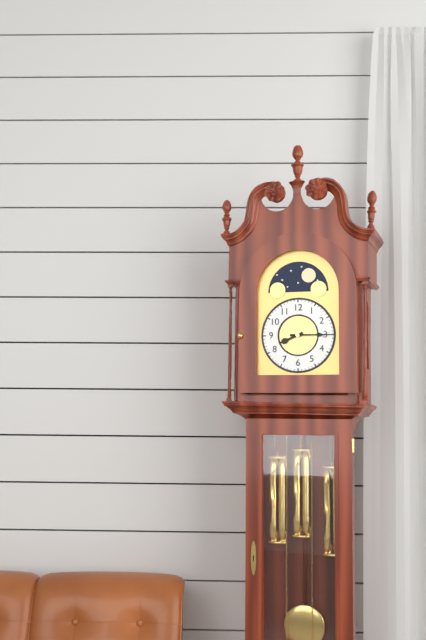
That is 8 h 15 min
